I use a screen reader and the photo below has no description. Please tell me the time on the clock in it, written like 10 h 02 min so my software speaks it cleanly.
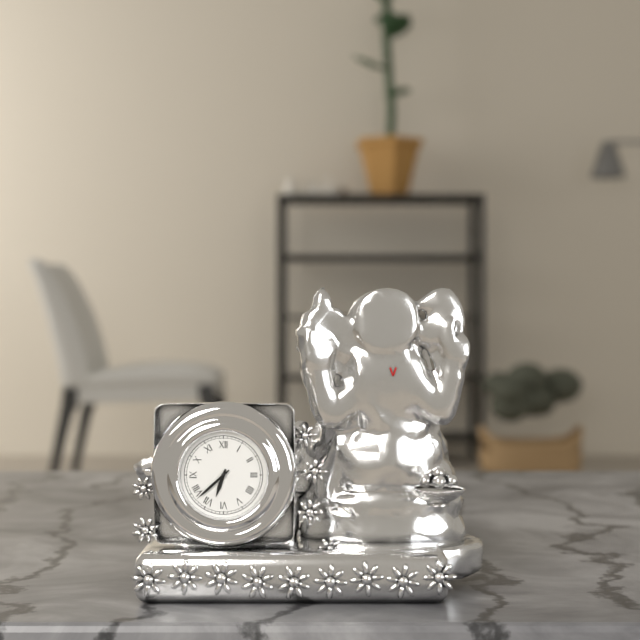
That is 6 h 38 min
